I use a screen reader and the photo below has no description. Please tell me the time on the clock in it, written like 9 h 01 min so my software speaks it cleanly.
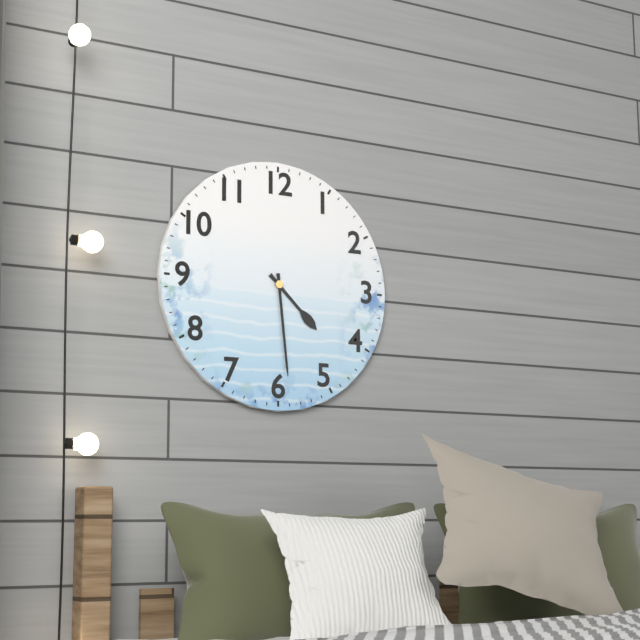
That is 4 h 29 min
